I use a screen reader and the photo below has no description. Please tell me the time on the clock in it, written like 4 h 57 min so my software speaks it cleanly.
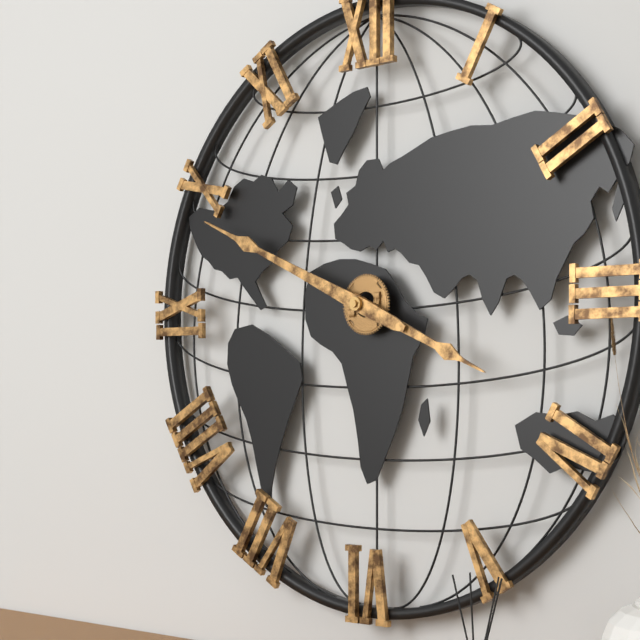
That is 3 h 49 min
